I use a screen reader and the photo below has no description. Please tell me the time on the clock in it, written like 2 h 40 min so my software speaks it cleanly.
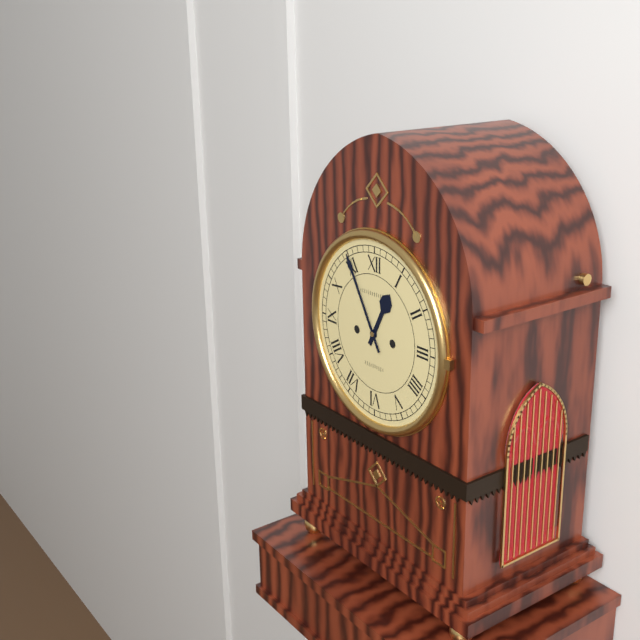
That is 12 h 55 min
